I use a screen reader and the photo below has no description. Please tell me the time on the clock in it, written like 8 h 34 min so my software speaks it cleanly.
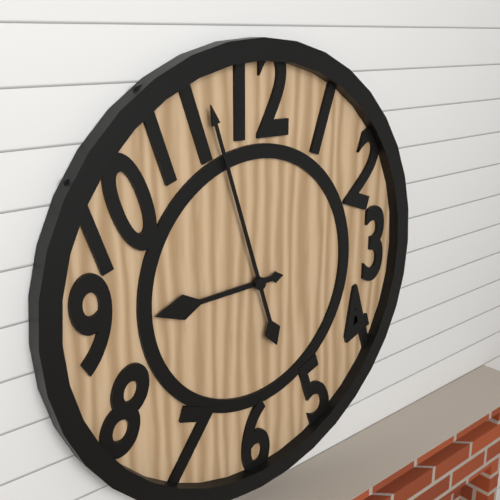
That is 8 h 57 min
